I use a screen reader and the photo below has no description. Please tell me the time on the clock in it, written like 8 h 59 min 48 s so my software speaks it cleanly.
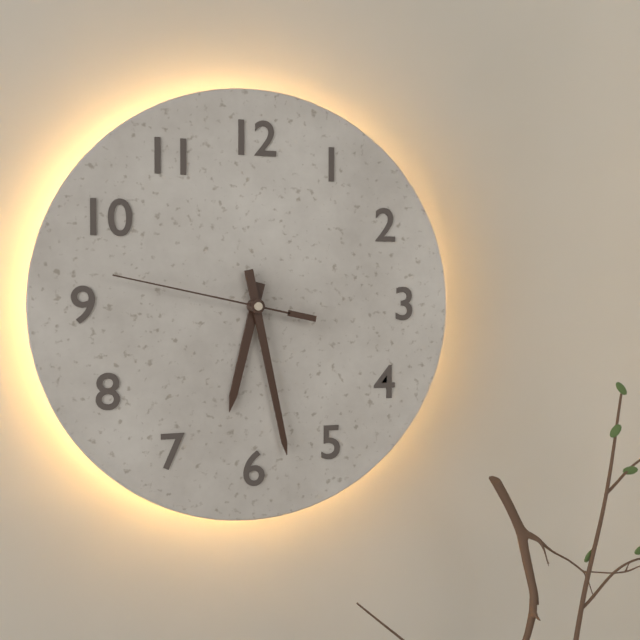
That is 6 h 28 min 47 s
